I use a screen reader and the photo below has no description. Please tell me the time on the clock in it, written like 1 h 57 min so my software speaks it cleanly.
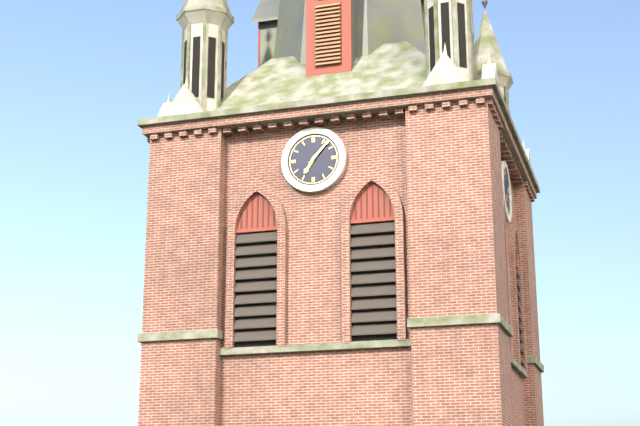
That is 7 h 07 min
